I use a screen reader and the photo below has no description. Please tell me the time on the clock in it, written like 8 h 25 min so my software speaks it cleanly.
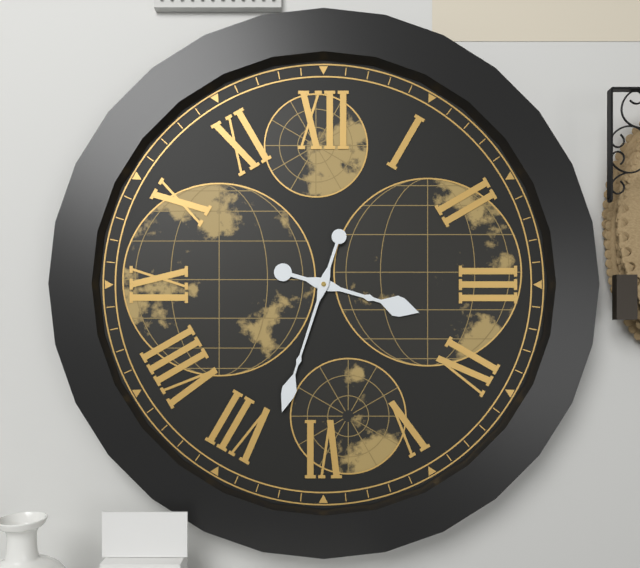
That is 3 h 33 min
